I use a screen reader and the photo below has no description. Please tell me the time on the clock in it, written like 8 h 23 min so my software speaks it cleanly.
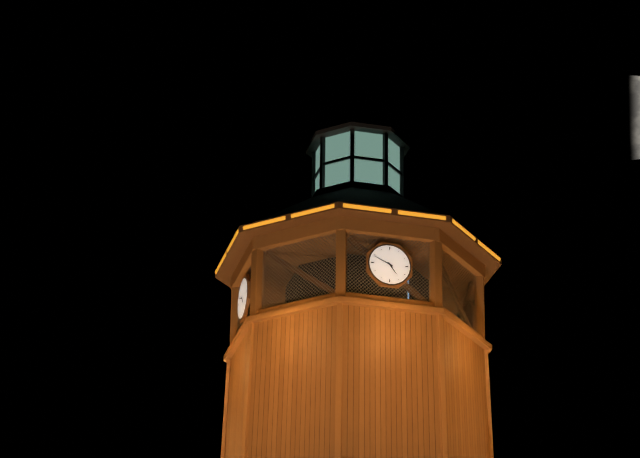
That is 4 h 49 min
